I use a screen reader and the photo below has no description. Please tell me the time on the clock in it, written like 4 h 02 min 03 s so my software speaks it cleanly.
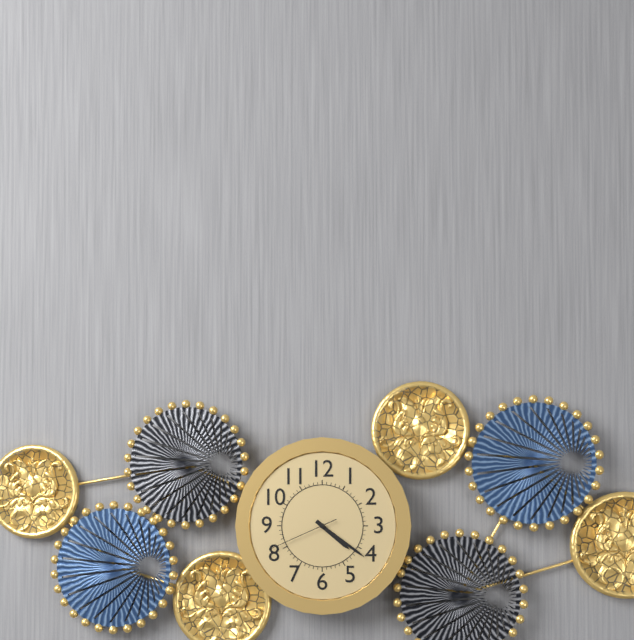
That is 4 h 21 min 41 s
